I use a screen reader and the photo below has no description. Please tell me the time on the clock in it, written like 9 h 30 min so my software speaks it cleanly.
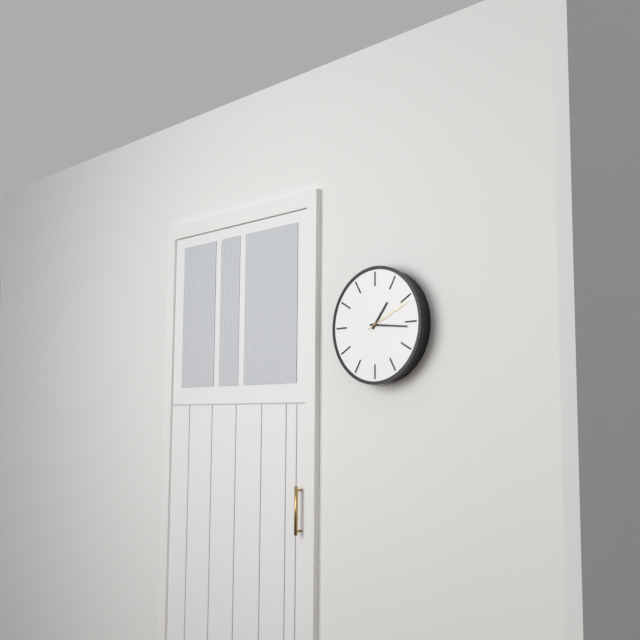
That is 1 h 16 min
